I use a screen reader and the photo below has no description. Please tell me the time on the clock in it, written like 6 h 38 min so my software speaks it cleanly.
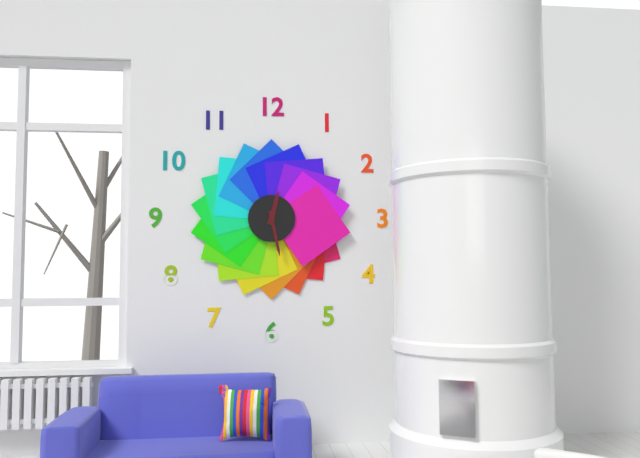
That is 12 h 28 min
